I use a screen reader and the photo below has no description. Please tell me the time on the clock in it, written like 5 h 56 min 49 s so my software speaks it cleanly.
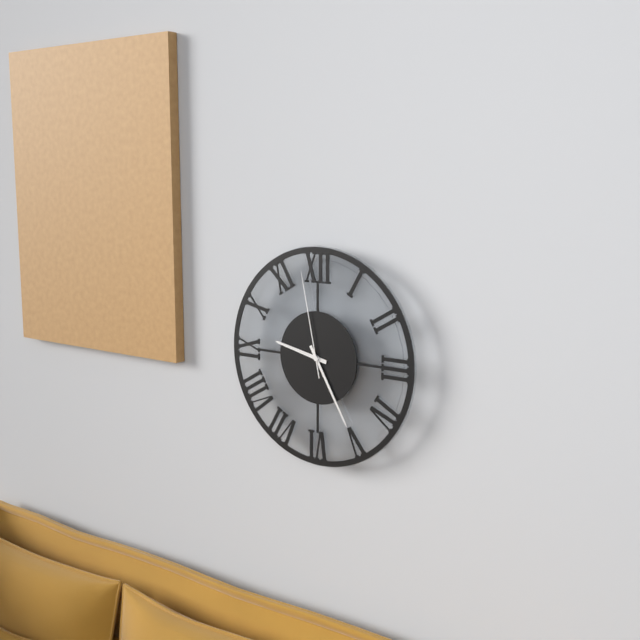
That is 9 h 25 min 58 s
